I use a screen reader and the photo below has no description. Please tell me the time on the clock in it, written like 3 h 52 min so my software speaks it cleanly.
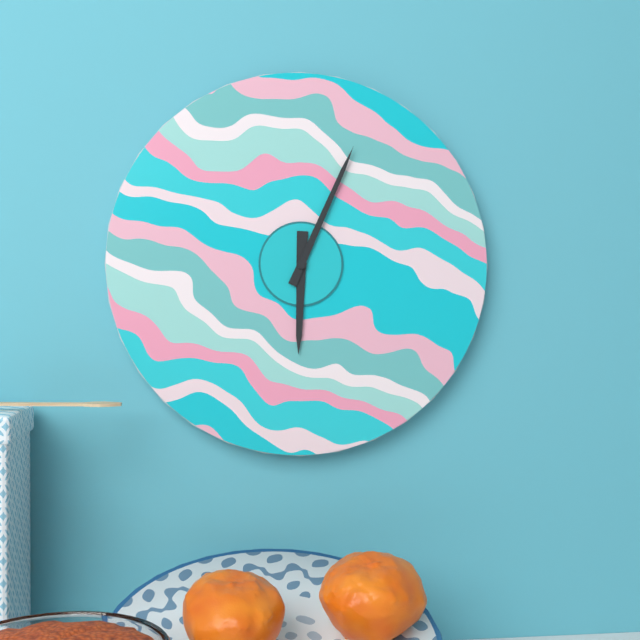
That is 6 h 04 min
